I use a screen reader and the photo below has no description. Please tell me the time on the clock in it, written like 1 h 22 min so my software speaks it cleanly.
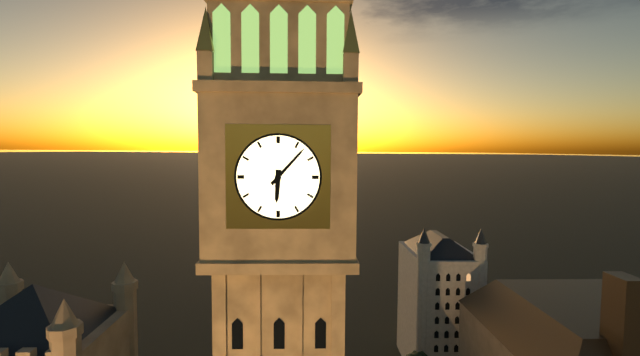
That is 6 h 07 min
